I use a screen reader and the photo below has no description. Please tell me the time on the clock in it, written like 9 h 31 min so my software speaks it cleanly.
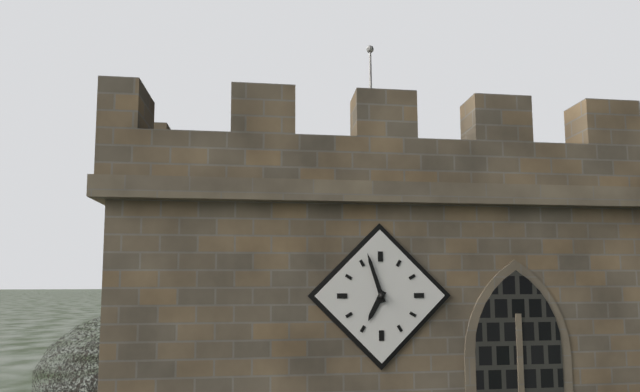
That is 6 h 57 min
